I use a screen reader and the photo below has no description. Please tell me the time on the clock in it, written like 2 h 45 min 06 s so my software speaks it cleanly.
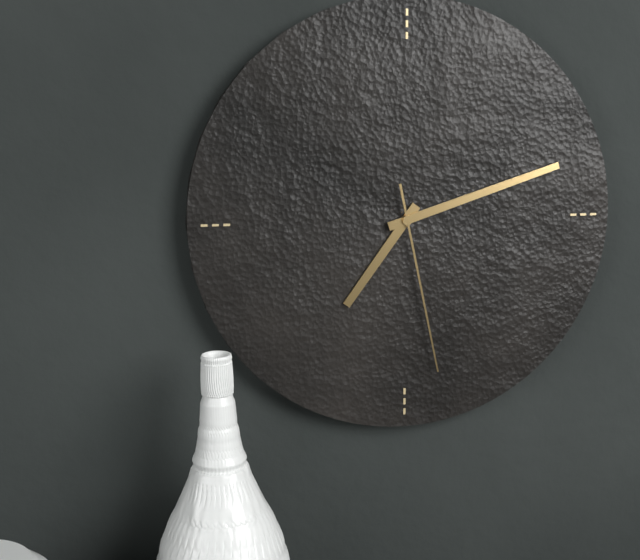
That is 7 h 12 min 28 s
